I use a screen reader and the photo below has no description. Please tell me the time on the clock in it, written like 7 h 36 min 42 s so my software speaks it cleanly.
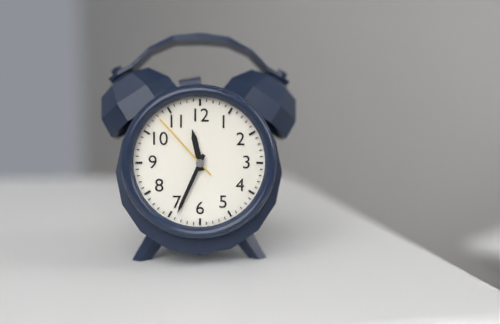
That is 11 h 34 min 53 s
